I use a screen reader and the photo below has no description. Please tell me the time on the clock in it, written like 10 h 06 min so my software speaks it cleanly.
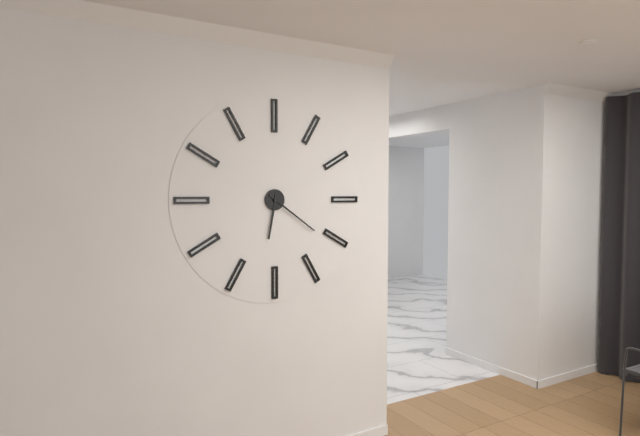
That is 6 h 21 min
